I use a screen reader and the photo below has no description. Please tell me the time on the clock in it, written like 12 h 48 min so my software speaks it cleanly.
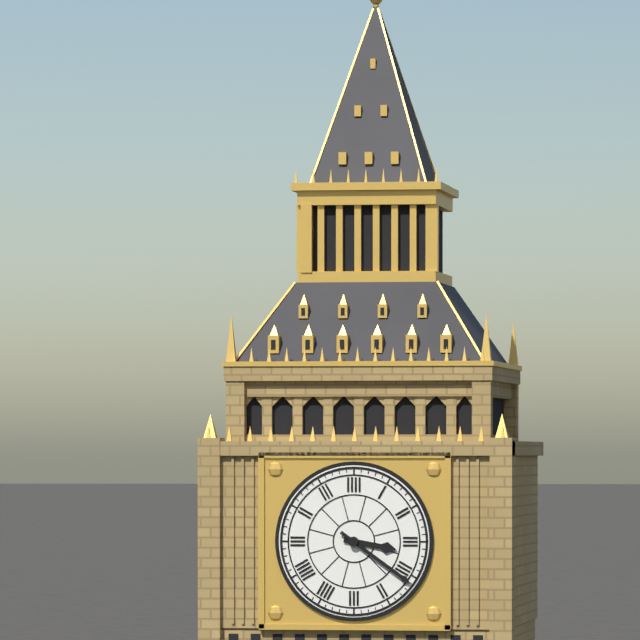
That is 3 h 21 min
